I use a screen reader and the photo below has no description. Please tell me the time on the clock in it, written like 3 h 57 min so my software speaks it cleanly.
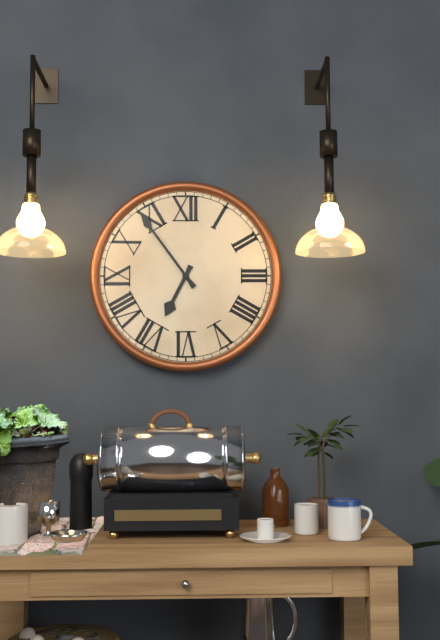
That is 6 h 54 min
